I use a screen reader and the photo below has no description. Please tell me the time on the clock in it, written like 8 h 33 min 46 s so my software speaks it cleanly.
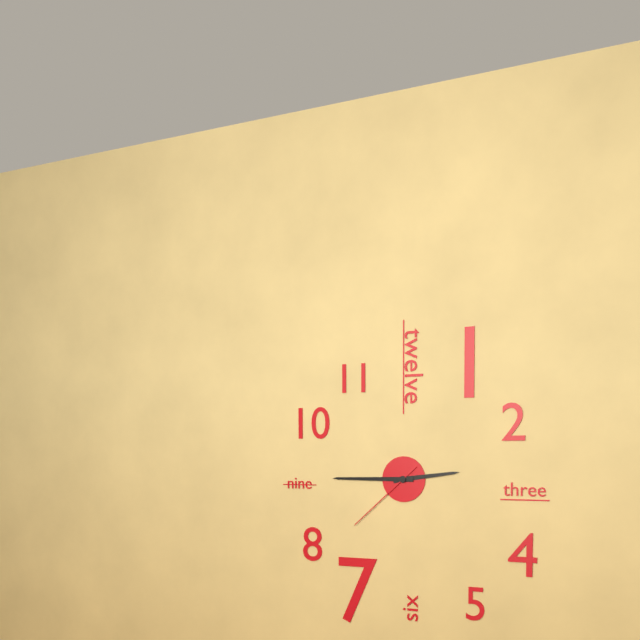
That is 2 h 45 min 38 s
